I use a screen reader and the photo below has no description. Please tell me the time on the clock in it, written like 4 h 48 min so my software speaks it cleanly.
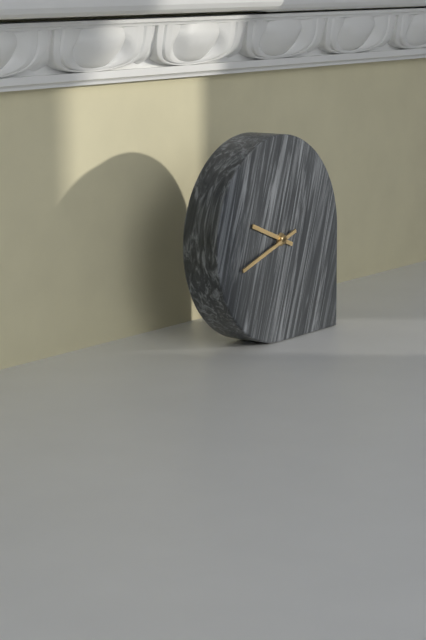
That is 9 h 42 min
